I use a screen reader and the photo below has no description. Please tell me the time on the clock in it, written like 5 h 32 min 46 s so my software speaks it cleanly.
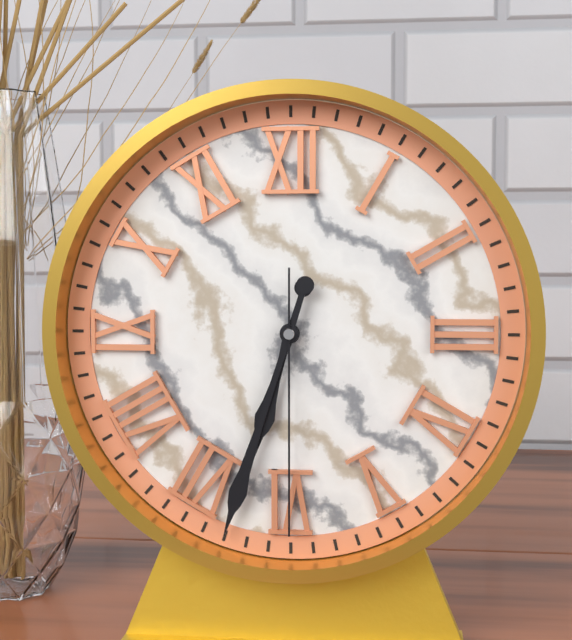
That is 6 h 33 min 30 s
